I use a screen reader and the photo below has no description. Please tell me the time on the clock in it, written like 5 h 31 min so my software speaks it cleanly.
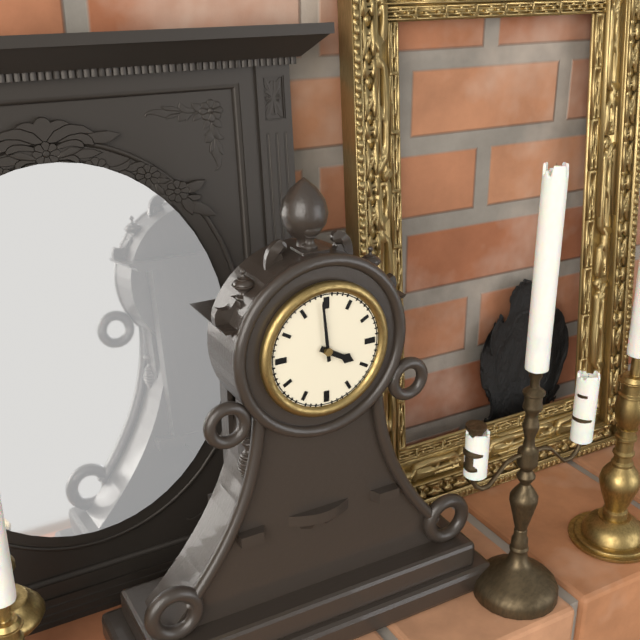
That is 3 h 59 min
